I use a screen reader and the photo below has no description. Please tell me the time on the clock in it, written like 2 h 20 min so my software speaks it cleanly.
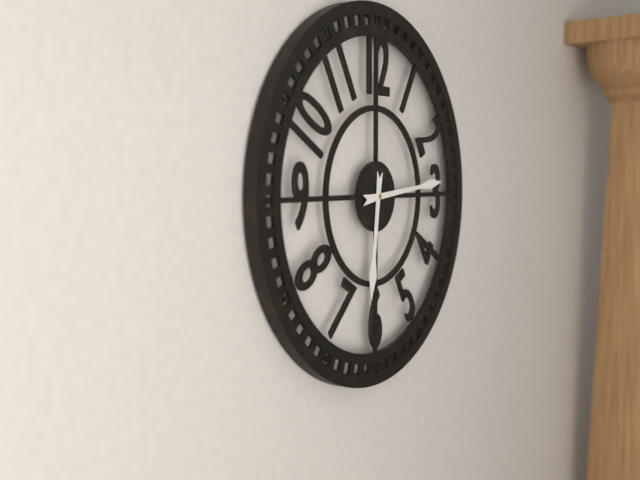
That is 6 h 14 min
